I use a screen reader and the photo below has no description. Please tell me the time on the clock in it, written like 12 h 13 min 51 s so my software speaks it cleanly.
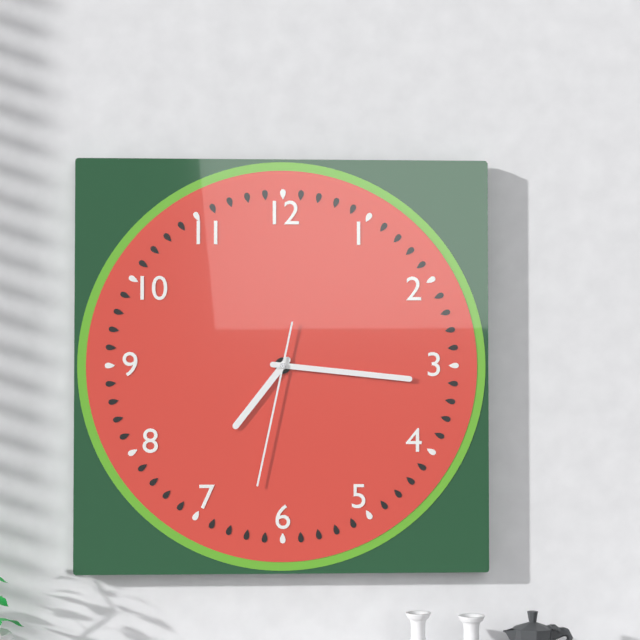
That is 7 h 16 min 32 s
